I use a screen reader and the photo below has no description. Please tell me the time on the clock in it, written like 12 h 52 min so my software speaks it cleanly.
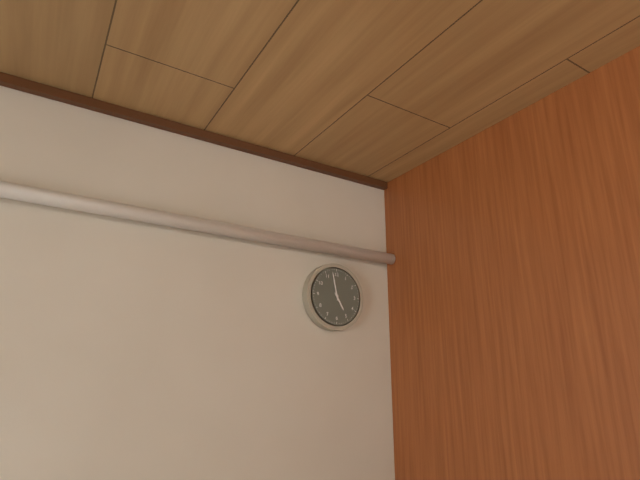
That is 4 h 58 min
